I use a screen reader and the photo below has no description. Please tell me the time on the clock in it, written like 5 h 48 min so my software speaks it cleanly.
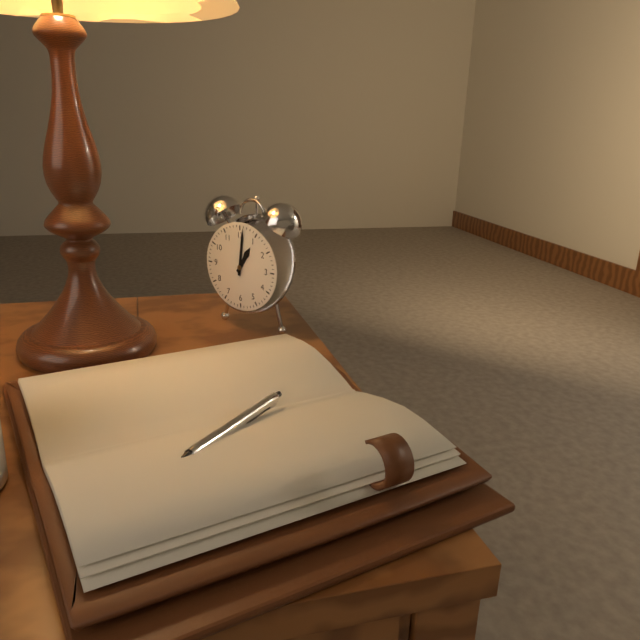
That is 1 h 01 min
